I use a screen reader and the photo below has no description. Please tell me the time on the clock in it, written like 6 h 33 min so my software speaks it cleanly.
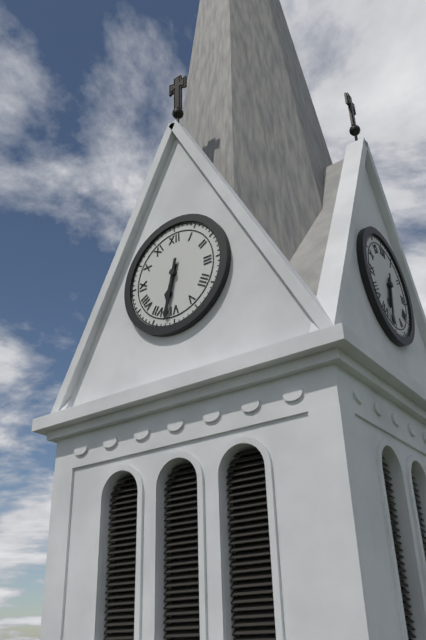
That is 6 h 32 min
